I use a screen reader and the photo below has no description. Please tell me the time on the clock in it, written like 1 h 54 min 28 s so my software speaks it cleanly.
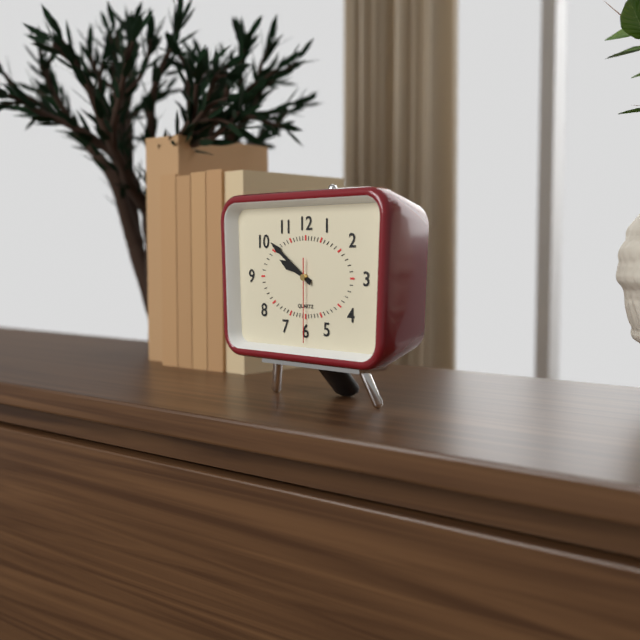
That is 9 h 51 min 30 s
